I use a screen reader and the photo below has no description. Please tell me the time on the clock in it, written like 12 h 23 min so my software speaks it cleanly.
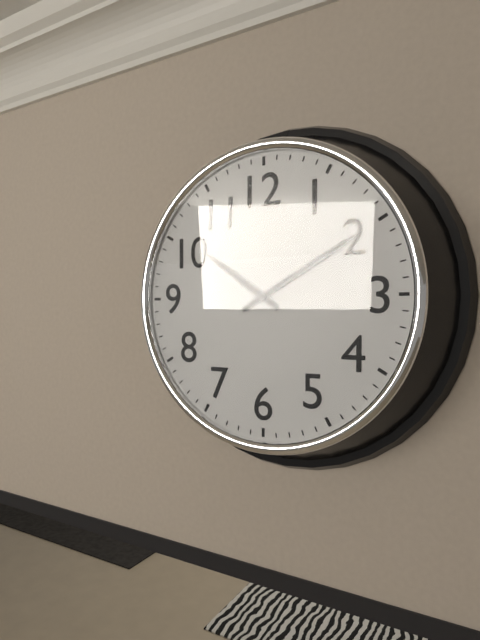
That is 10 h 10 min
